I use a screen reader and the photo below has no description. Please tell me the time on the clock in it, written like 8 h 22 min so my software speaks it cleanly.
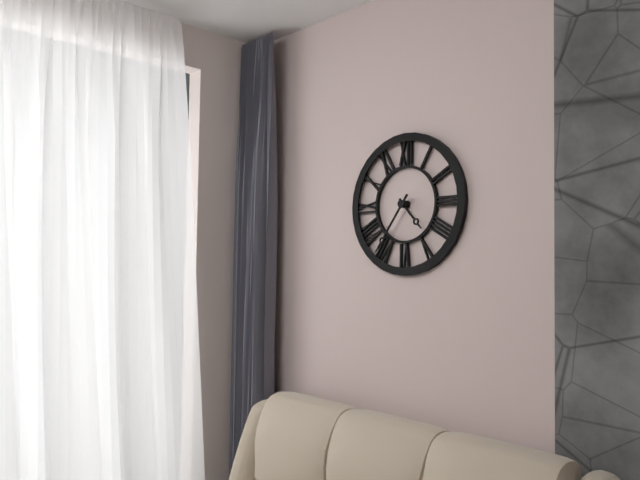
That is 4 h 36 min
